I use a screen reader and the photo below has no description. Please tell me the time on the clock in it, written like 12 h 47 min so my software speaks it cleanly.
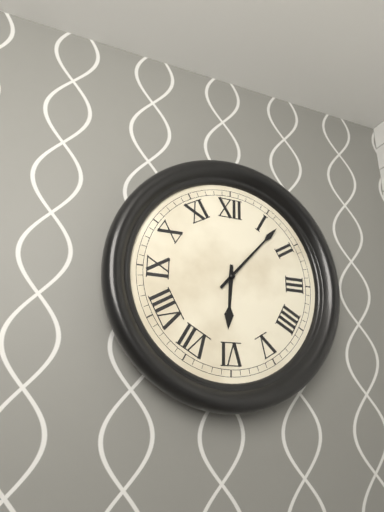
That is 6 h 07 min
